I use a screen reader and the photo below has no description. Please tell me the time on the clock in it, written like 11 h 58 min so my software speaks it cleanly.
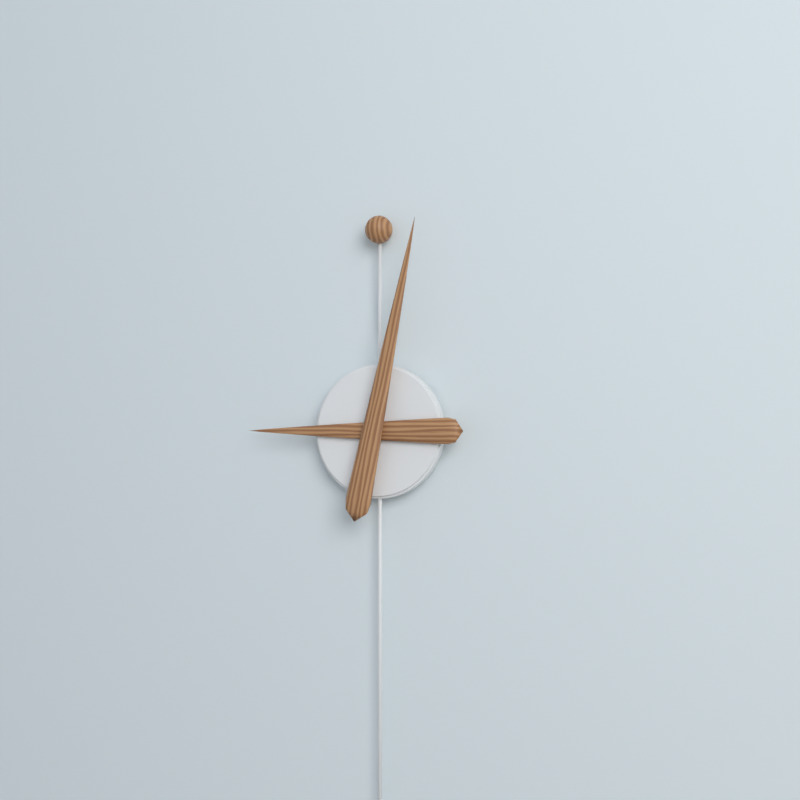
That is 9 h 02 min
